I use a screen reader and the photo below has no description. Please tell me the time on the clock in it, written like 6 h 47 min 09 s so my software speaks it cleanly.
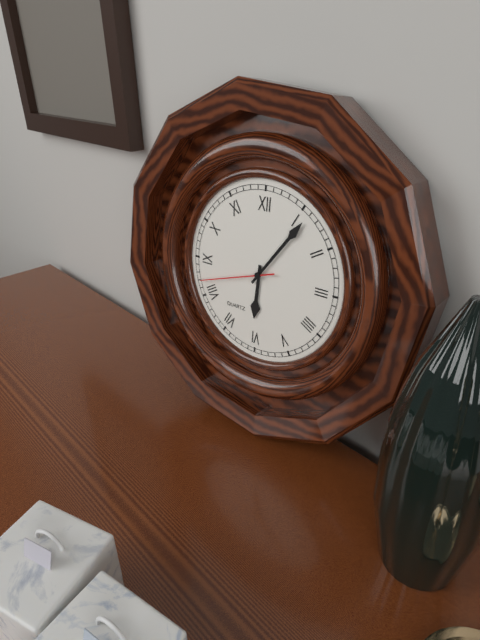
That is 6 h 06 min 42 s
